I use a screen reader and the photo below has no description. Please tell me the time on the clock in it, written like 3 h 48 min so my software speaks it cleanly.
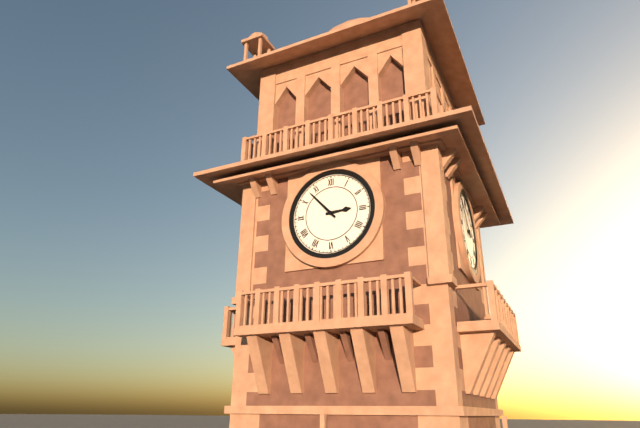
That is 2 h 53 min
